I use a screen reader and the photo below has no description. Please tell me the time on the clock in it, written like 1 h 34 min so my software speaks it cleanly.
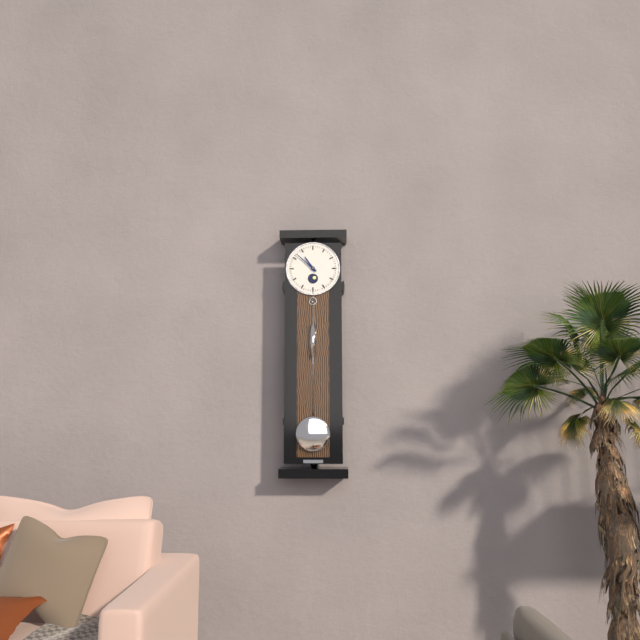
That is 10 h 52 min
